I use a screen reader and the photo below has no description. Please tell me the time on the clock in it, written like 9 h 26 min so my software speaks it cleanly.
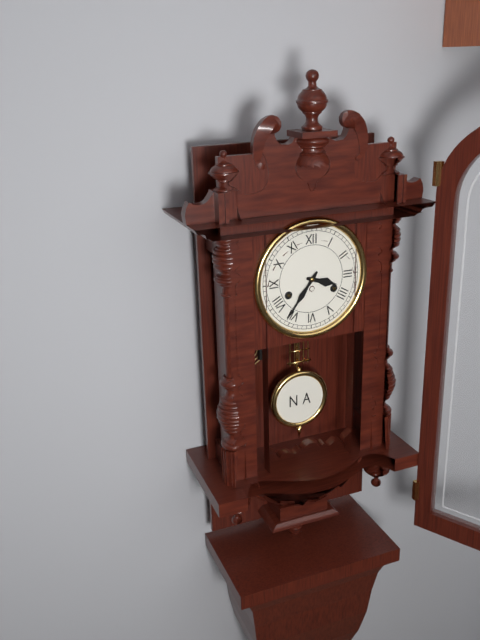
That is 3 h 36 min
